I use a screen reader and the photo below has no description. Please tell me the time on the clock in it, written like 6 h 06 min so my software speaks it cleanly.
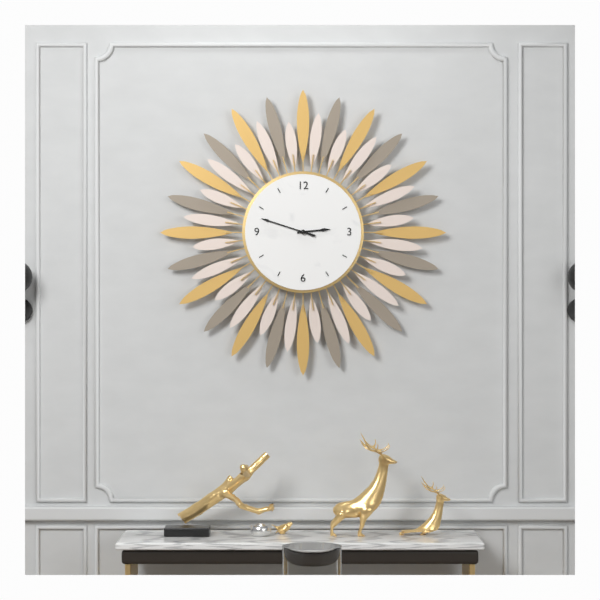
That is 2 h 48 min
